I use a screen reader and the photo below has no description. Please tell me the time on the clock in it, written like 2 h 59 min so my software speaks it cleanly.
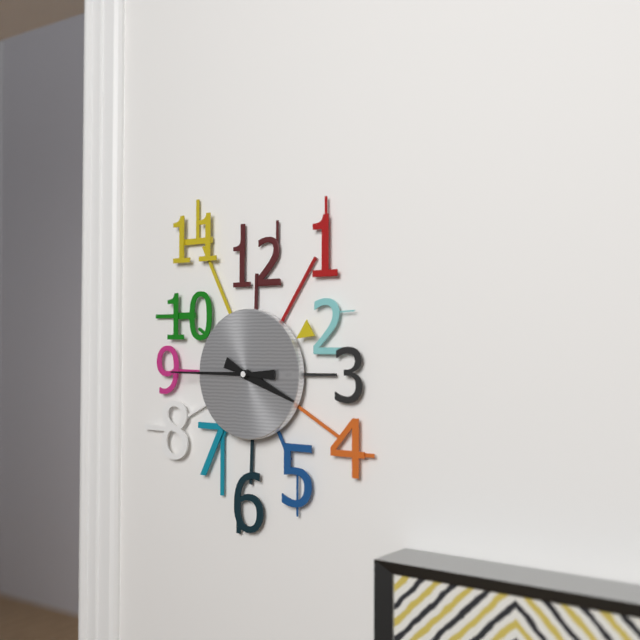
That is 3 h 45 min
